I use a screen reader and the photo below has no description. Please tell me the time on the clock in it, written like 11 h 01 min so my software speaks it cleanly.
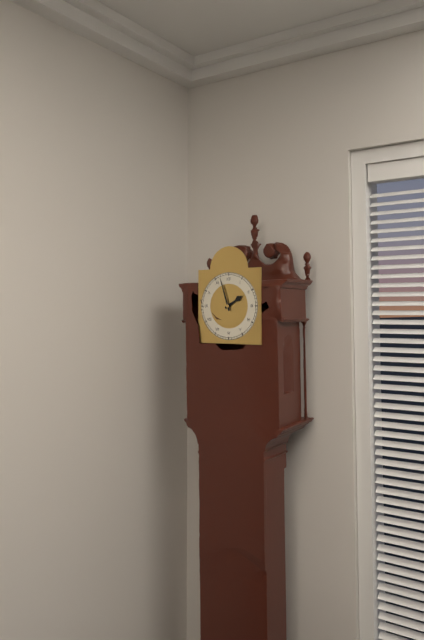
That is 1 h 57 min
